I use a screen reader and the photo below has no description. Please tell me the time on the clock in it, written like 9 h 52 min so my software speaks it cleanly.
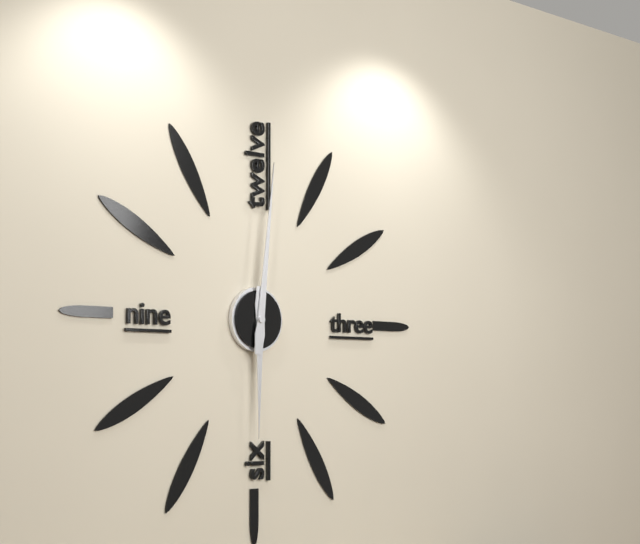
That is 6 h 01 min
